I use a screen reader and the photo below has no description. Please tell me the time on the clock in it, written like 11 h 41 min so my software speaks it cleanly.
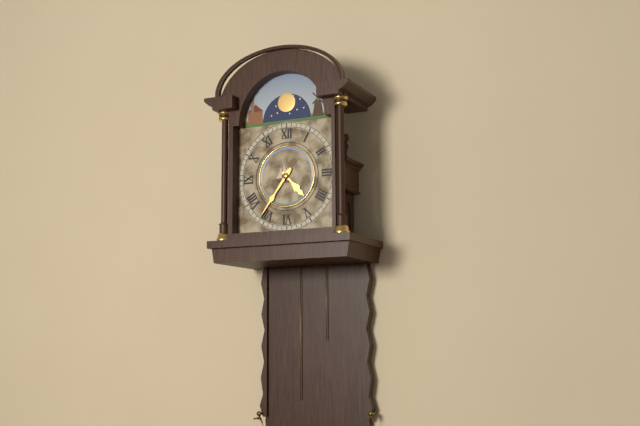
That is 4 h 36 min
